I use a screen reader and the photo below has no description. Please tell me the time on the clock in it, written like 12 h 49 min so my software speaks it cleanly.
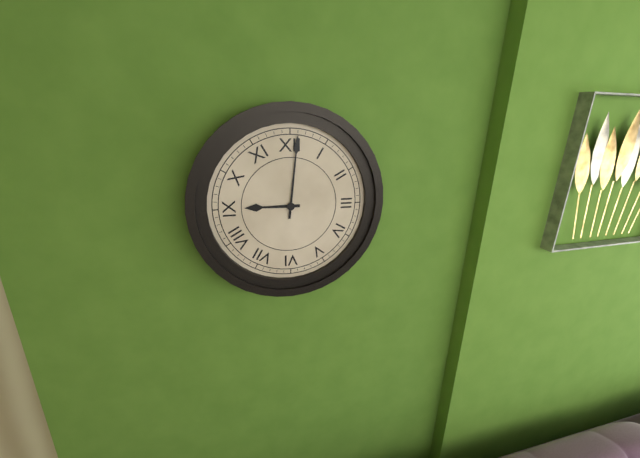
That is 9 h 01 min
